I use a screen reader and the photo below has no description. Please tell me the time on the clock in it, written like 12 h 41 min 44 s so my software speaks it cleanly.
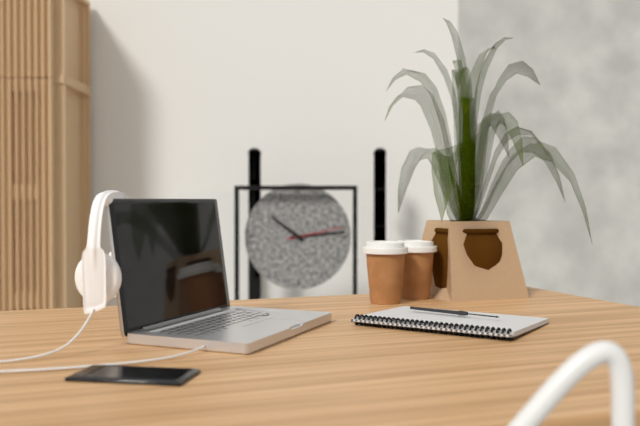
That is 10 h 14 min 13 s
